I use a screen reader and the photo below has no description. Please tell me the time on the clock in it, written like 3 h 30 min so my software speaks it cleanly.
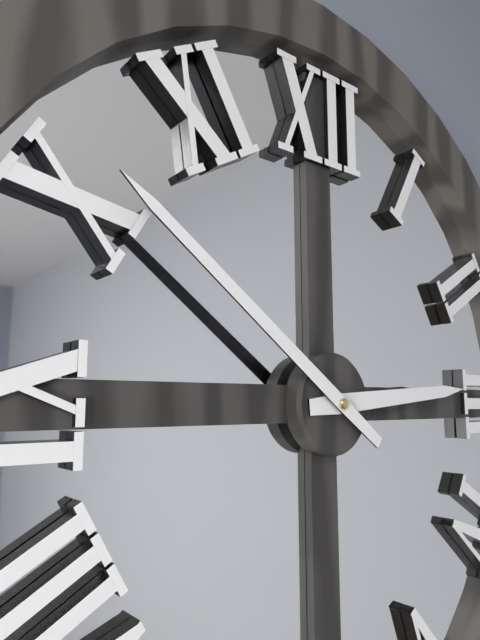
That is 2 h 51 min
